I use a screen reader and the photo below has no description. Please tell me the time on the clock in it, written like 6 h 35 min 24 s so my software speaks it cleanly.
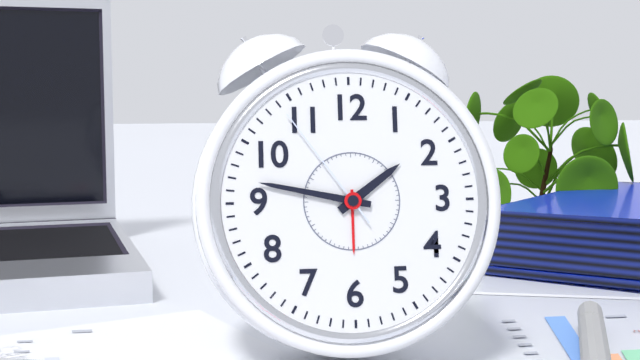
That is 1 h 47 min 54 s
